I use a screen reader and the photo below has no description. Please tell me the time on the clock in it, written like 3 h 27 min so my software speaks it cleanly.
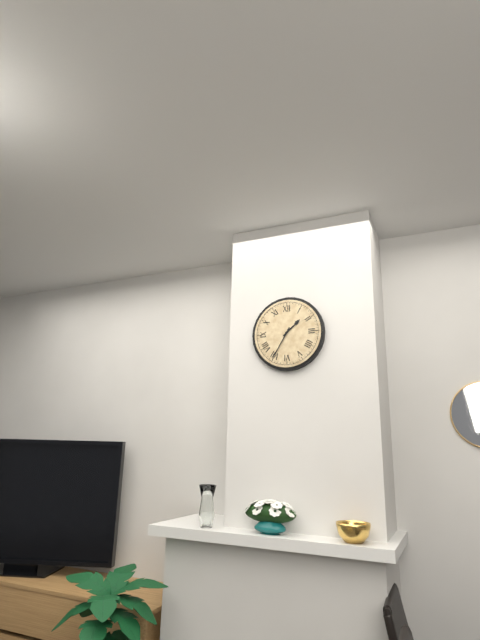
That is 1 h 35 min
